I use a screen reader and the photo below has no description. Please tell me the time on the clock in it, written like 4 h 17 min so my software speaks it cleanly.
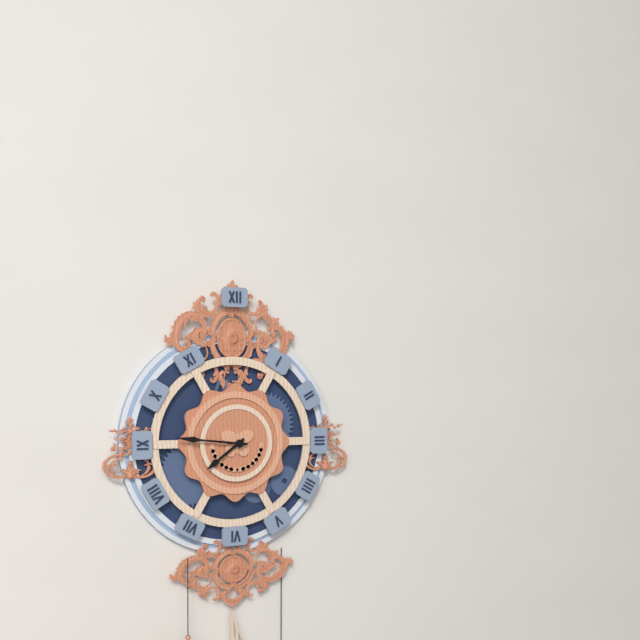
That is 7 h 46 min
